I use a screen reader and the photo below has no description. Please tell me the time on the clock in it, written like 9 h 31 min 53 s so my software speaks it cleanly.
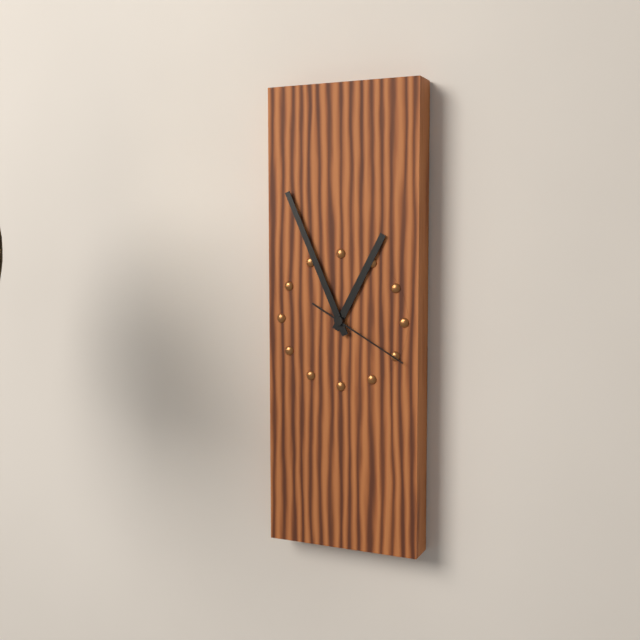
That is 12 h 56 min 20 s
